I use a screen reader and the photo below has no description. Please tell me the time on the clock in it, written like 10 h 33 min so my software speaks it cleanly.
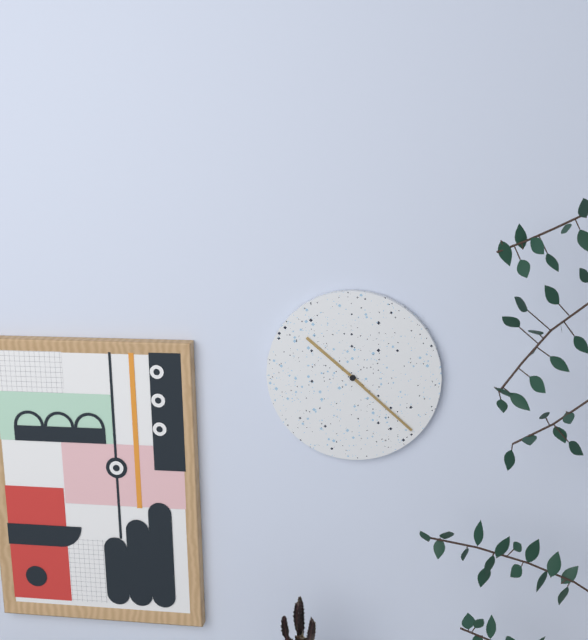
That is 10 h 22 min
